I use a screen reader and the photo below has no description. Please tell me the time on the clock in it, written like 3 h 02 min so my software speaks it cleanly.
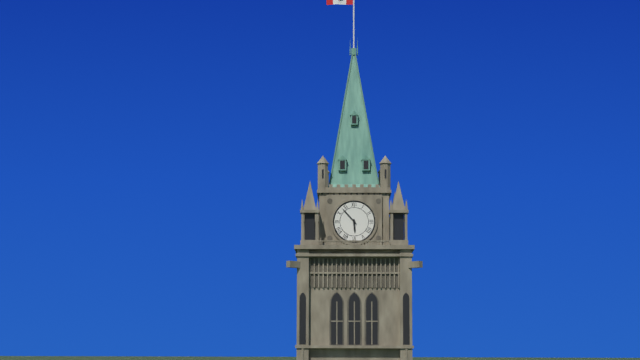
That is 5 h 53 min
